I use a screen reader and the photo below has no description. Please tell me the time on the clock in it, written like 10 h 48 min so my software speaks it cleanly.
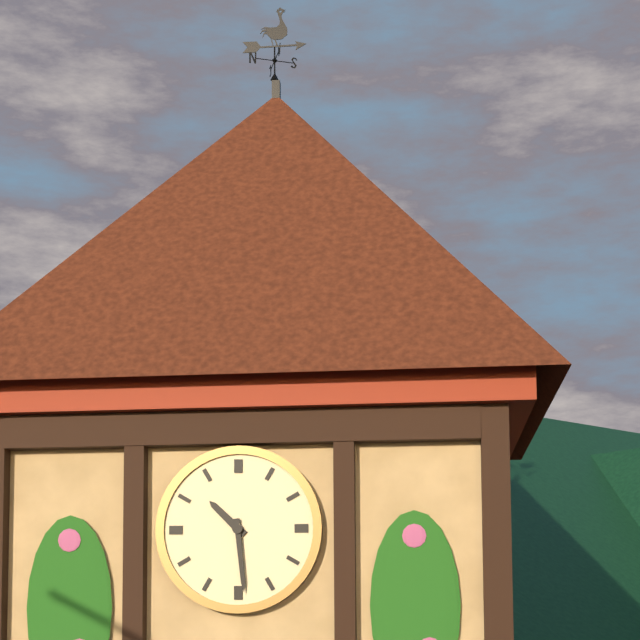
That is 10 h 29 min
